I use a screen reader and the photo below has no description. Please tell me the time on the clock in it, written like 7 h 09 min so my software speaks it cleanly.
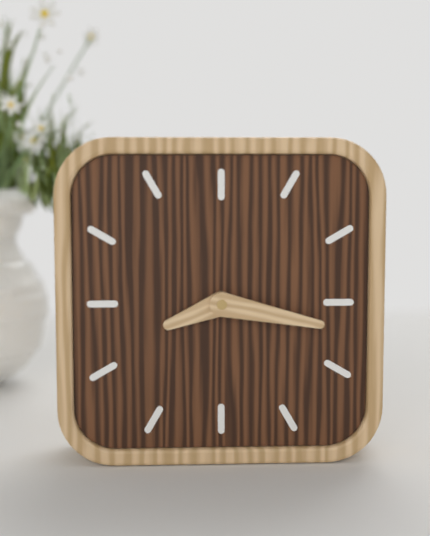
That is 8 h 17 min
